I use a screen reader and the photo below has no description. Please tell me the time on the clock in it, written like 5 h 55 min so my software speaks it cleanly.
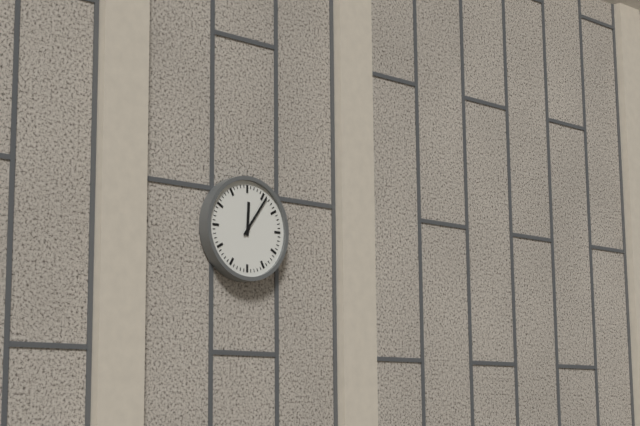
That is 12 h 06 min
